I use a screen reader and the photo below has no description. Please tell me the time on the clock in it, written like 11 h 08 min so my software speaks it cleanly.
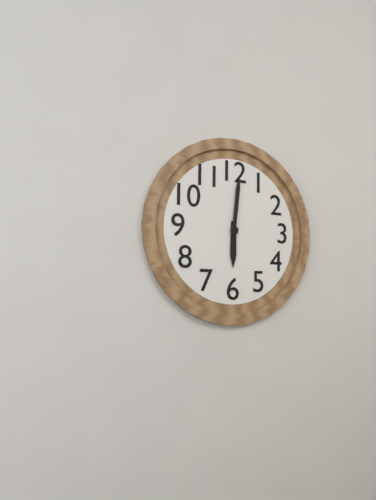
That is 6 h 01 min
